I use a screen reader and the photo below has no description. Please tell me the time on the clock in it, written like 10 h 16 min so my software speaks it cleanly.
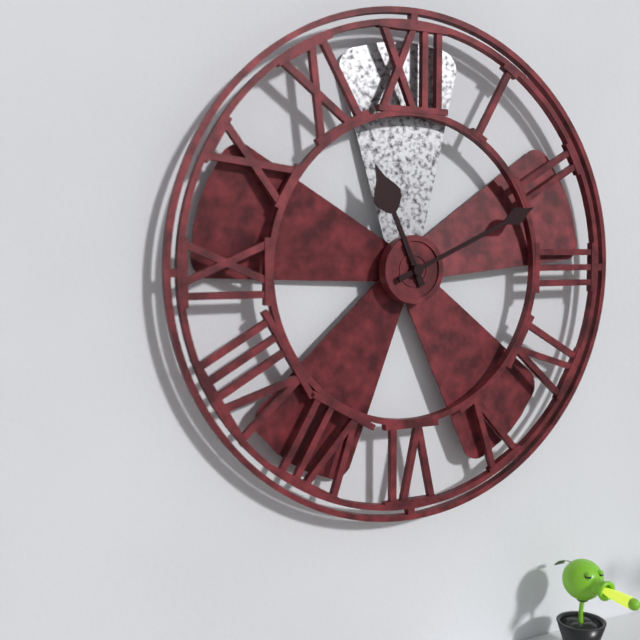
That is 11 h 11 min
